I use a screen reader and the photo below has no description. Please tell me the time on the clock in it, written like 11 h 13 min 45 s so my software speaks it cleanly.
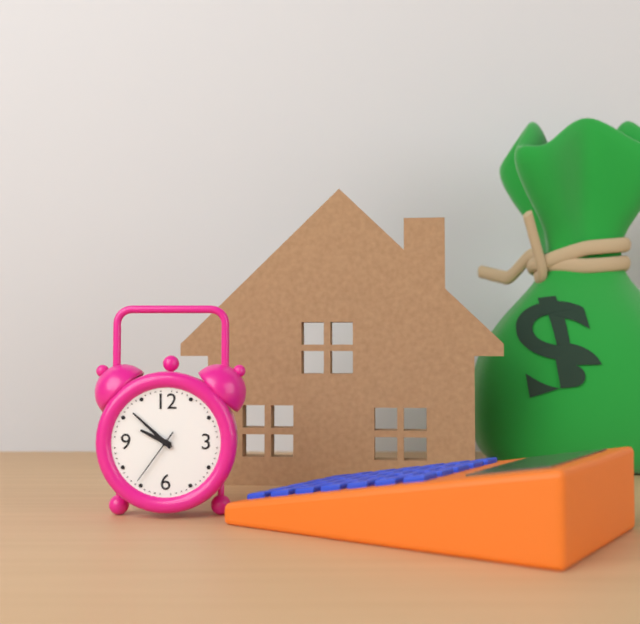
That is 9 h 52 min 36 s
